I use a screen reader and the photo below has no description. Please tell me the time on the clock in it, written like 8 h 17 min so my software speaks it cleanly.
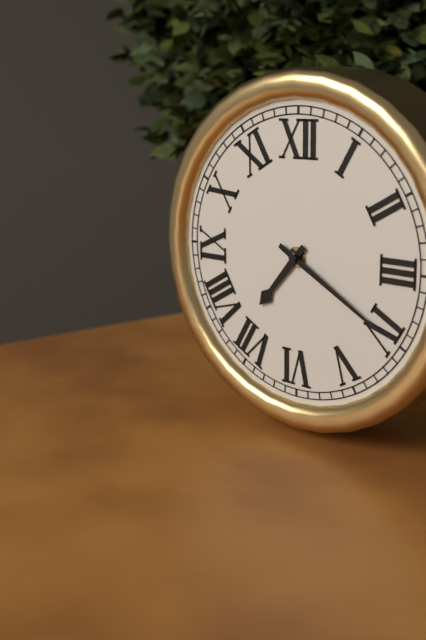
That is 7 h 20 min
